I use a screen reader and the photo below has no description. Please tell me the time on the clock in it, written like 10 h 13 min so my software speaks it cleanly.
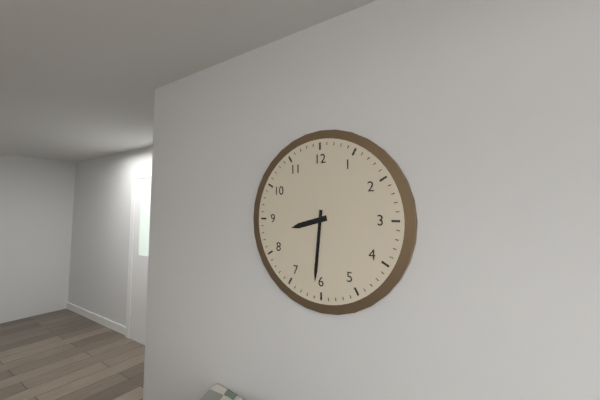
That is 8 h 31 min
